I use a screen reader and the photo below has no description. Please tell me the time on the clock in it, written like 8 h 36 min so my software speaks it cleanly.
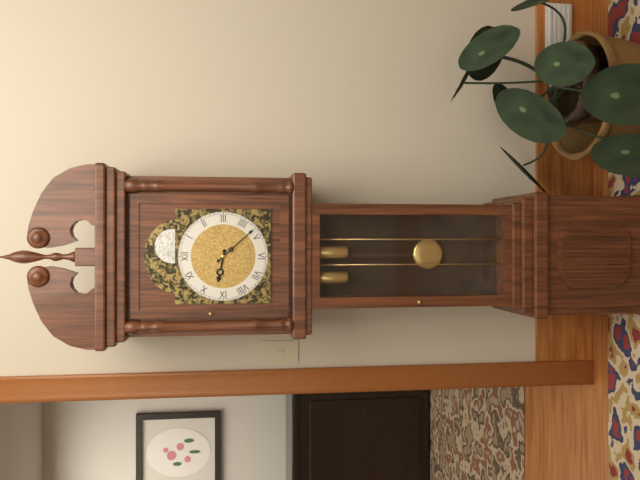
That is 9 h 23 min
